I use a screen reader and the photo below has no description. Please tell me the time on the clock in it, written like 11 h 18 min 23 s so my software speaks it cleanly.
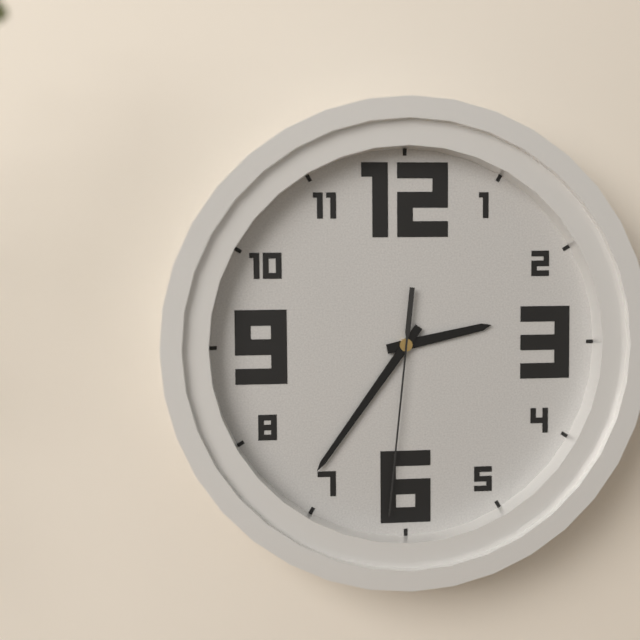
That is 2 h 36 min 31 s
